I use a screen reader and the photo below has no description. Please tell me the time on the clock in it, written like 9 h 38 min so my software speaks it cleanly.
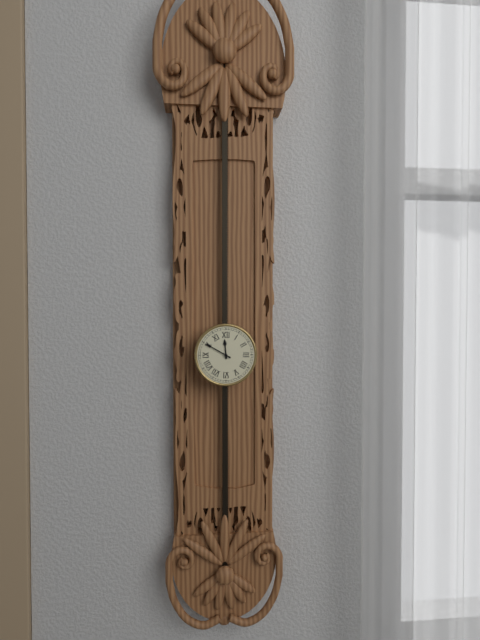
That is 11 h 50 min
